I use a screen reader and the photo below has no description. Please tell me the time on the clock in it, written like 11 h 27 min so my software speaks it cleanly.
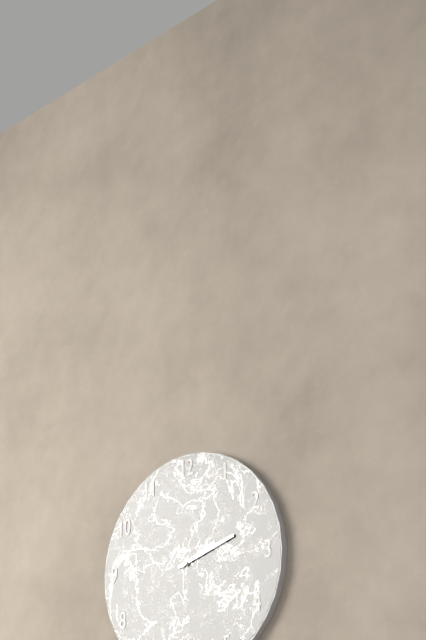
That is 2 h 12 min
